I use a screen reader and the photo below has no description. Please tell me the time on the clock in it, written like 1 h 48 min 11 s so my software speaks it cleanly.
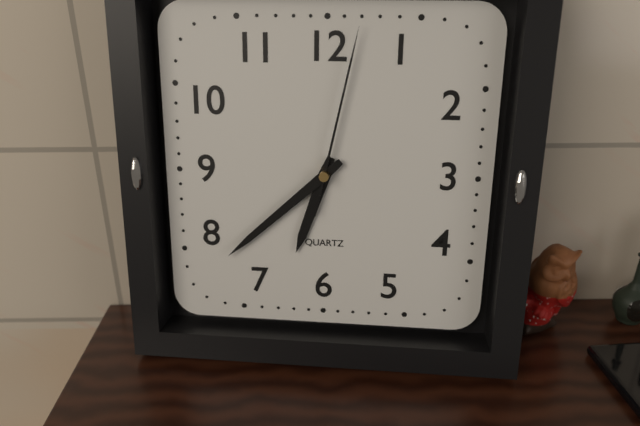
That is 6 h 38 min 02 s
